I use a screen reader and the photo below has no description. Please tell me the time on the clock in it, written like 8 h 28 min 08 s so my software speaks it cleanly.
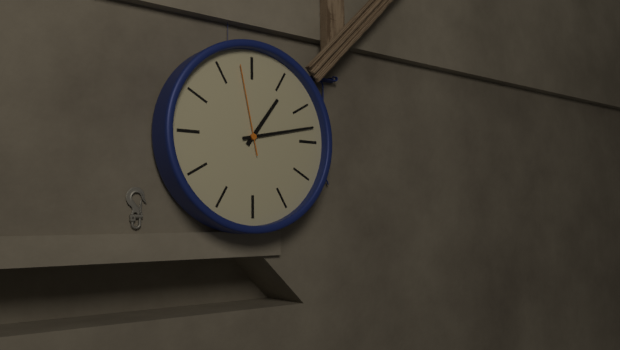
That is 1 h 13 min 58 s
